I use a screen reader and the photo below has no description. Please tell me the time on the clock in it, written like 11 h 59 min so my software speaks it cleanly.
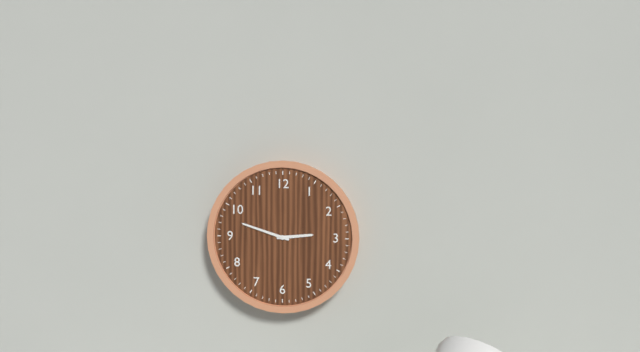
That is 2 h 48 min
